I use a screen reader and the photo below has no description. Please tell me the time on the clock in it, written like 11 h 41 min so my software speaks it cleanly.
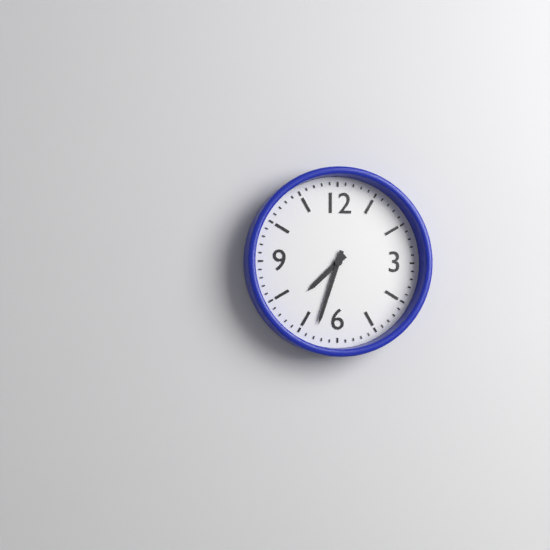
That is 7 h 33 min
